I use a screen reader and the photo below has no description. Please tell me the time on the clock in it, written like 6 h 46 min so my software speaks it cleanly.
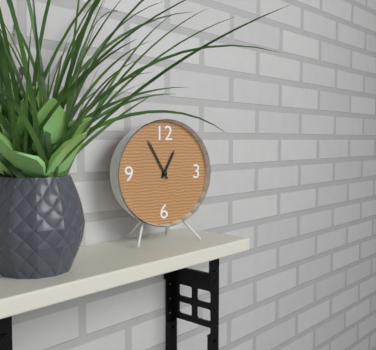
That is 12 h 55 min
